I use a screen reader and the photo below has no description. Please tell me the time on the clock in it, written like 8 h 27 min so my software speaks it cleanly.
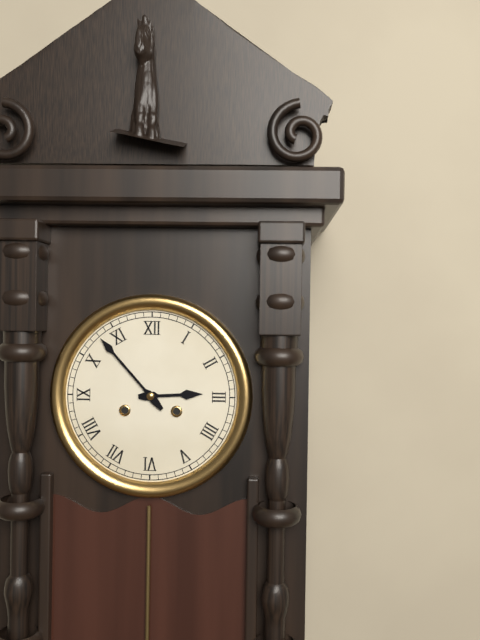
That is 2 h 53 min
